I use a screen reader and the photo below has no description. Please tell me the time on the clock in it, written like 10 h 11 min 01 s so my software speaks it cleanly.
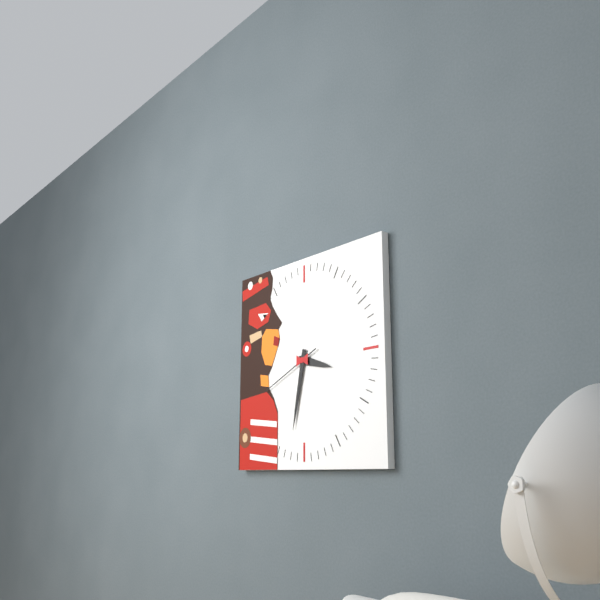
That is 3 h 32 min 41 s
